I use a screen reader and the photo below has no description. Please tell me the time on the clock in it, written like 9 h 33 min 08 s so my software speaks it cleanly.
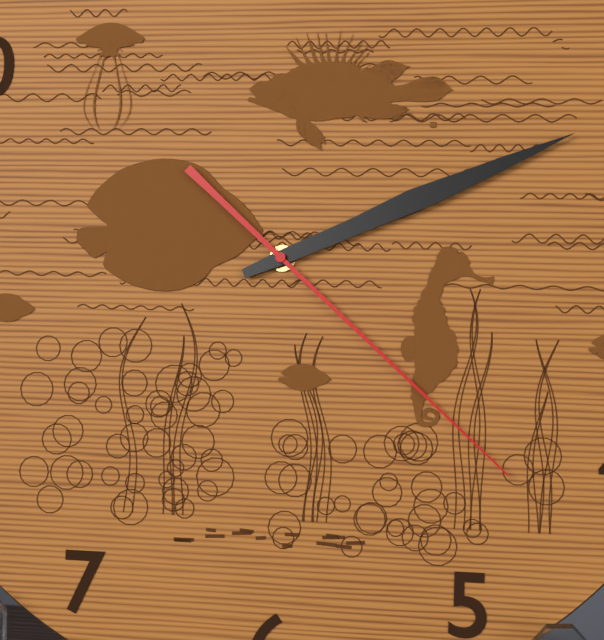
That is 2 h 11 min 22 s
